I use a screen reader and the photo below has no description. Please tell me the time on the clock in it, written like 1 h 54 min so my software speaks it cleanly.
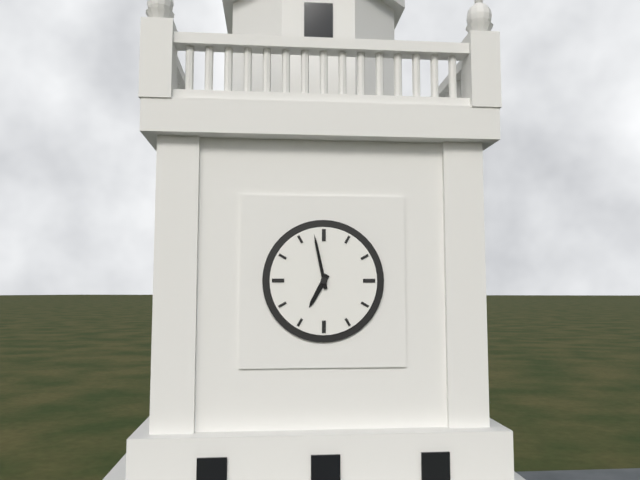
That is 6 h 58 min
